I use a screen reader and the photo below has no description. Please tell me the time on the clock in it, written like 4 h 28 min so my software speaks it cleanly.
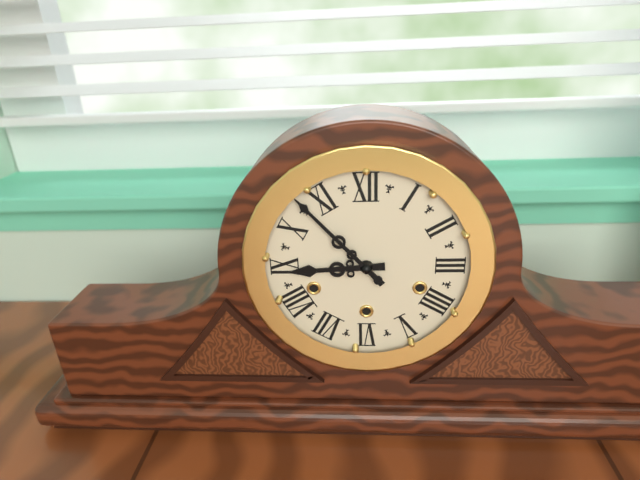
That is 8 h 53 min
